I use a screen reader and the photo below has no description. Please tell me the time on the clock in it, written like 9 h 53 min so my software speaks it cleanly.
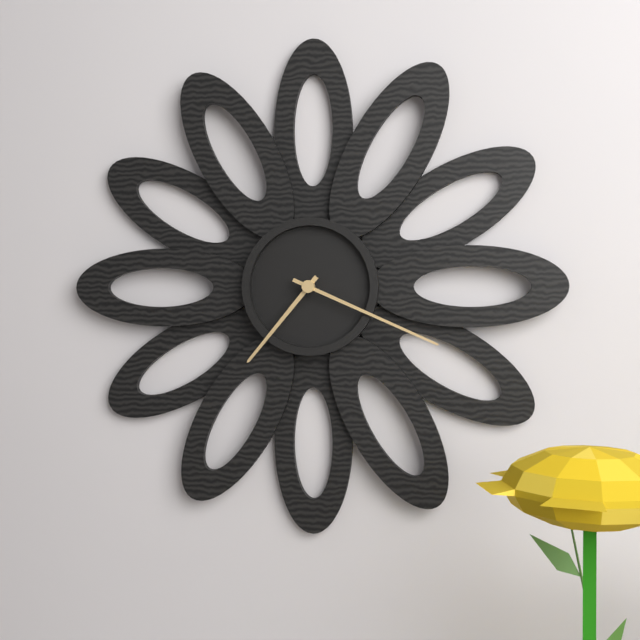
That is 7 h 19 min
